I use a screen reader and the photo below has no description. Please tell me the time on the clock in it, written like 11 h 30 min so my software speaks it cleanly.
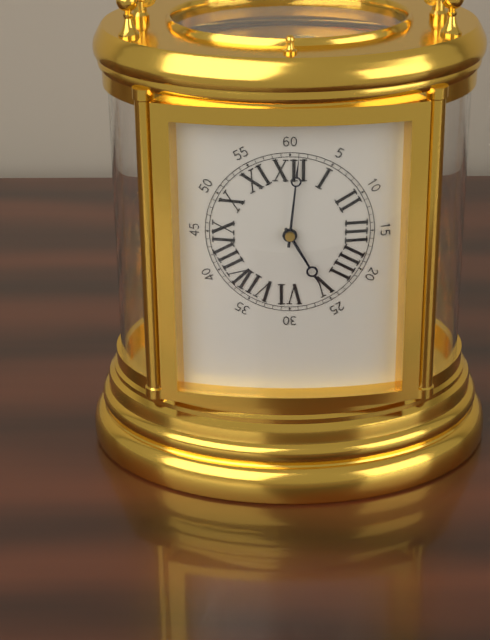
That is 5 h 01 min
